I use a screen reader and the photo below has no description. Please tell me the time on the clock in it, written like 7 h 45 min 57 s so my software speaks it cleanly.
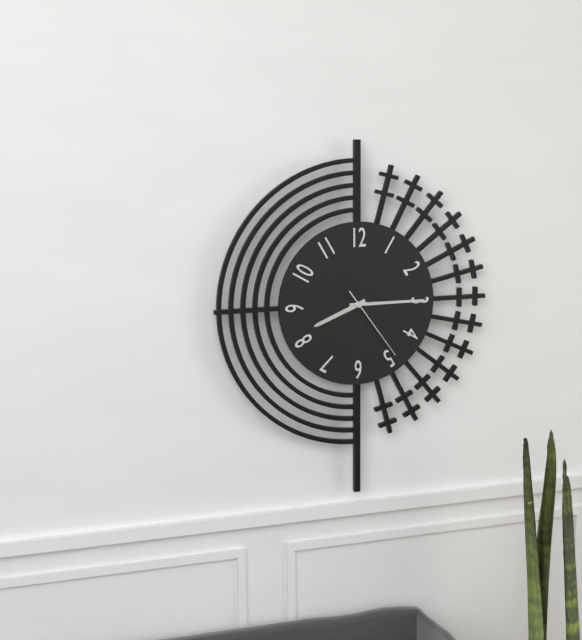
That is 8 h 15 min 24 s
